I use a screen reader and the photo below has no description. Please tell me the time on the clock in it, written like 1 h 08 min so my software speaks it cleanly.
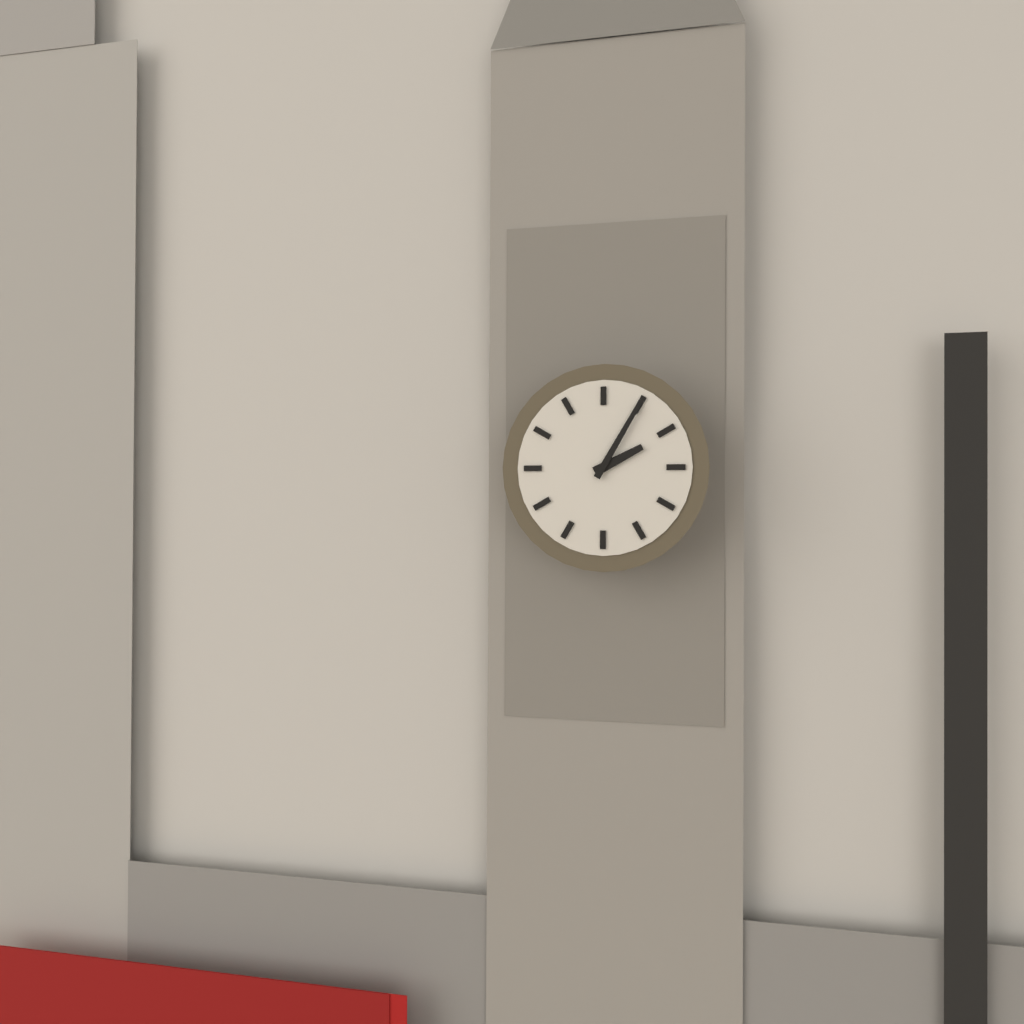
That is 2 h 05 min
